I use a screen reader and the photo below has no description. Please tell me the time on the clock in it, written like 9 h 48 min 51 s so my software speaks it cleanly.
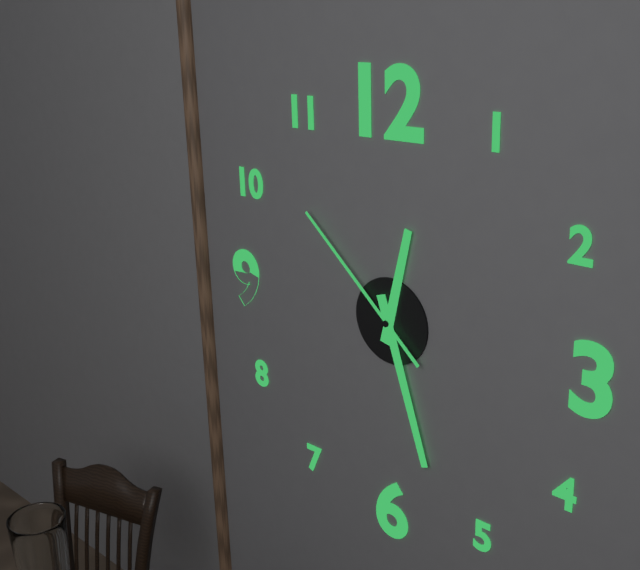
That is 12 h 27 min 52 s
